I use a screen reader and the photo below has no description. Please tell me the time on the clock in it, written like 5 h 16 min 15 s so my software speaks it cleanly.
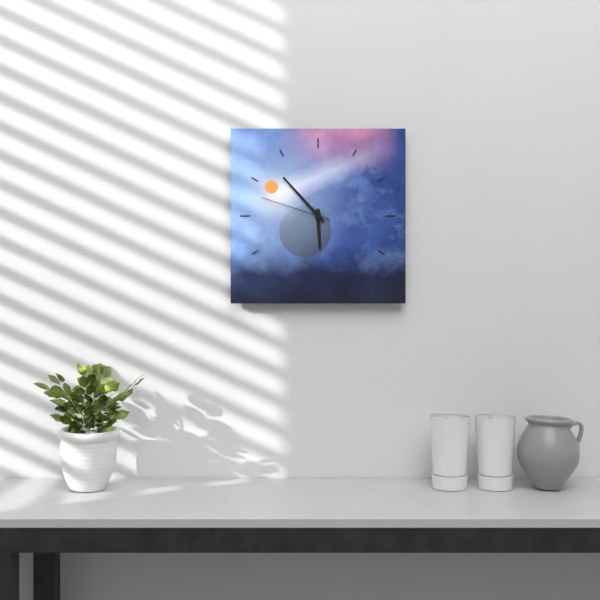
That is 5 h 53 min 48 s
